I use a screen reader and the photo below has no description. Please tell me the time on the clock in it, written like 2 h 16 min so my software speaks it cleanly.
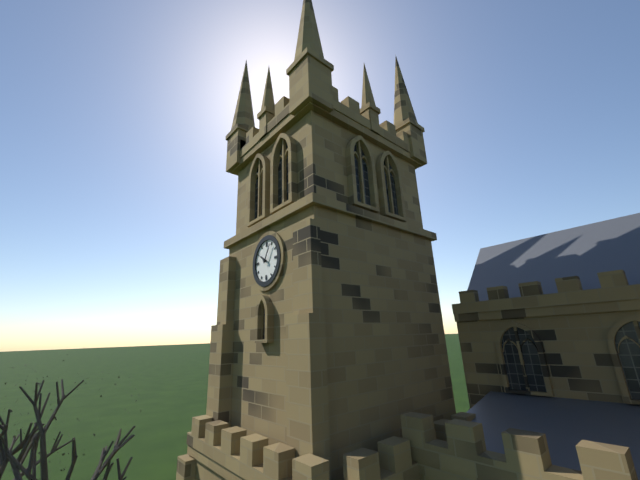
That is 10 h 05 min
